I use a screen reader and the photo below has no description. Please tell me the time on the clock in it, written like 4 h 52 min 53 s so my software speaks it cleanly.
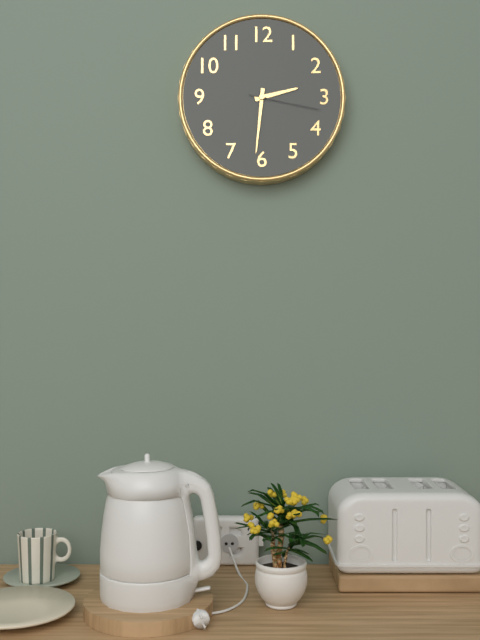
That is 2 h 31 min 17 s
